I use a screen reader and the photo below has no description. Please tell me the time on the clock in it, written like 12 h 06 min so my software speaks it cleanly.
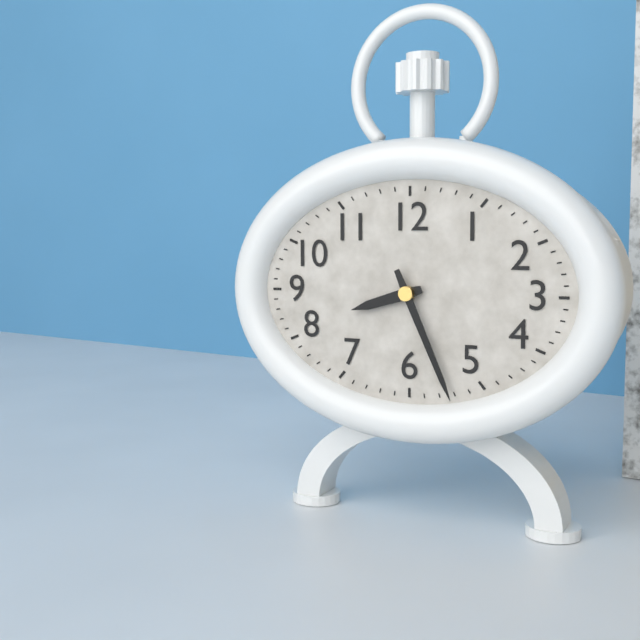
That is 8 h 26 min
